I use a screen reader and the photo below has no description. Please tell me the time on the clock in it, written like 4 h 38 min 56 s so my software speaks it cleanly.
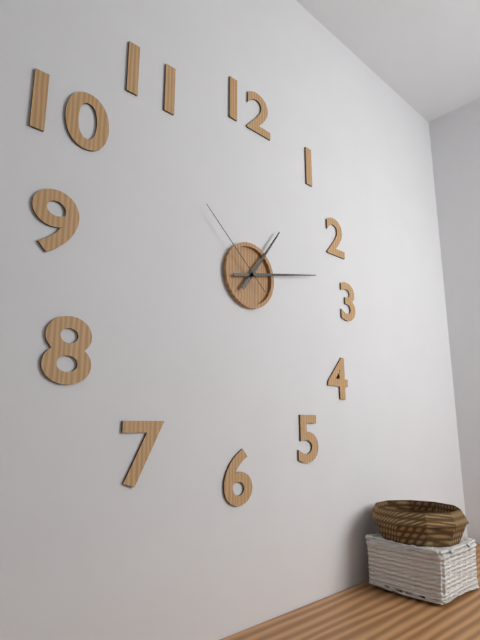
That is 1 h 13 min 52 s
